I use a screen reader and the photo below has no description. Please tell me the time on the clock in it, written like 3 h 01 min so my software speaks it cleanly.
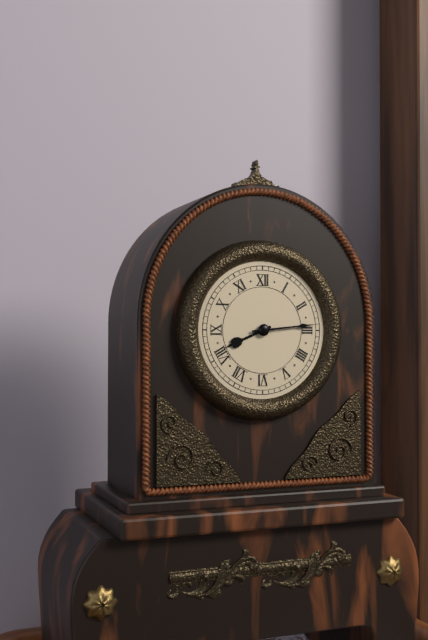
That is 8 h 14 min
